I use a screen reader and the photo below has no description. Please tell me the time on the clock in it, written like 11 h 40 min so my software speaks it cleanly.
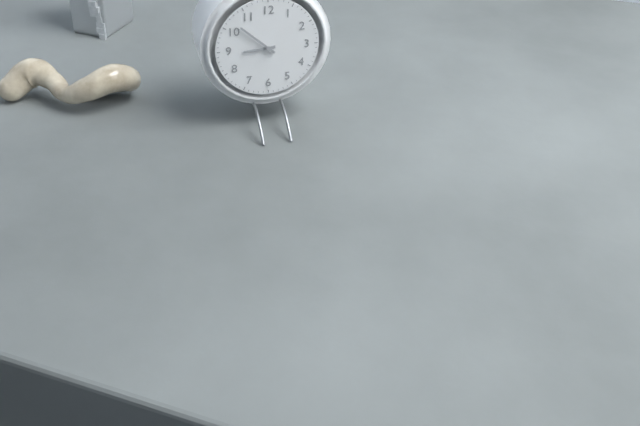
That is 8 h 52 min
